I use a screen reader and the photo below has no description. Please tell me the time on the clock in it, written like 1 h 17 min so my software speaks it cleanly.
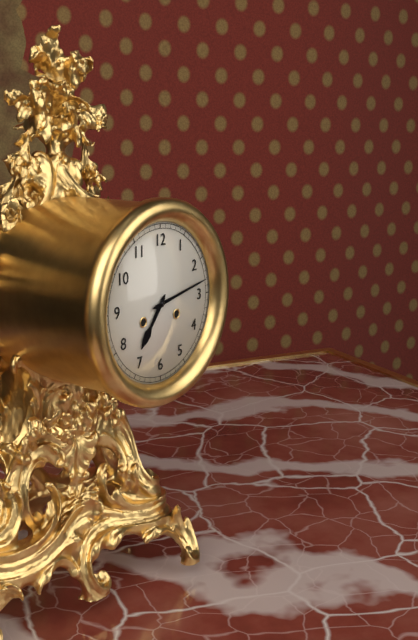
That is 7 h 13 min
